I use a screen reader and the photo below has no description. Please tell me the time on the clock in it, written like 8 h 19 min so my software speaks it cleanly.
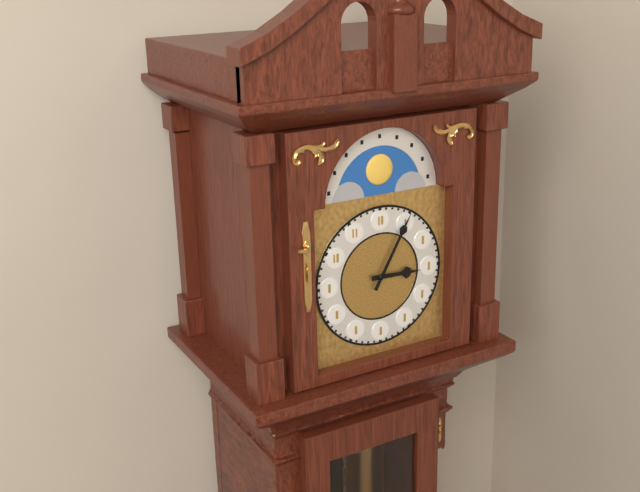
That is 3 h 05 min
